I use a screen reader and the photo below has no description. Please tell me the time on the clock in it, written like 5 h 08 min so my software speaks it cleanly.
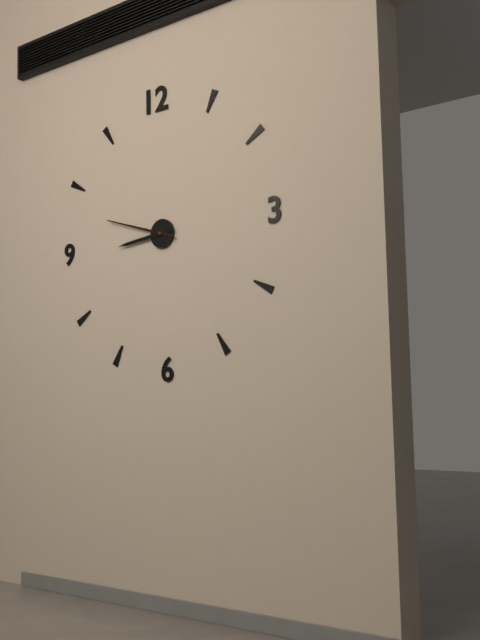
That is 8 h 48 min
